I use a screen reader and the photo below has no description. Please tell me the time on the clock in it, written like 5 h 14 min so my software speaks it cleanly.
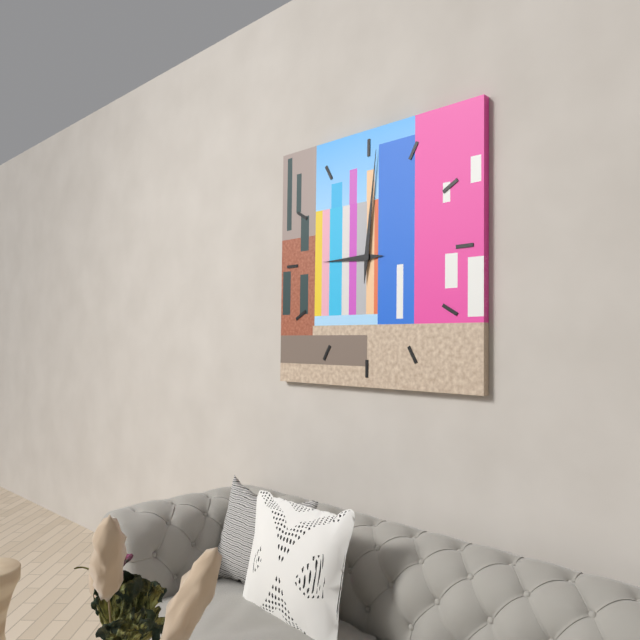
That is 9 h 01 min
